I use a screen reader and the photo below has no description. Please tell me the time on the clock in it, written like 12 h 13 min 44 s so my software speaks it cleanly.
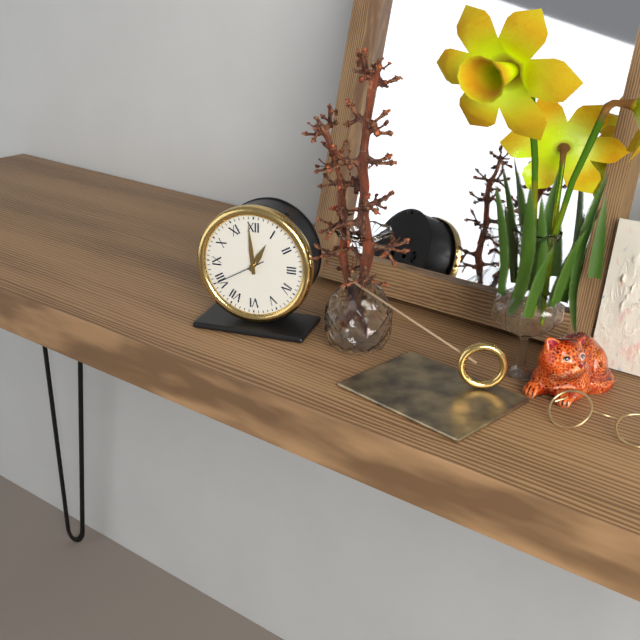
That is 12 h 59 min 40 s
